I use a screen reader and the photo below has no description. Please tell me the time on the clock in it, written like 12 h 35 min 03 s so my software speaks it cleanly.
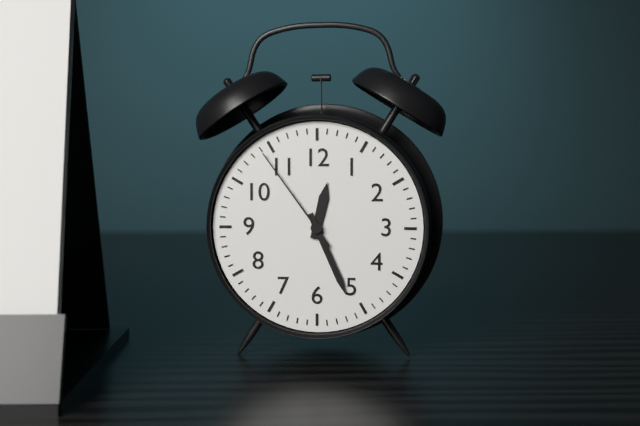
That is 12 h 26 min 54 s
